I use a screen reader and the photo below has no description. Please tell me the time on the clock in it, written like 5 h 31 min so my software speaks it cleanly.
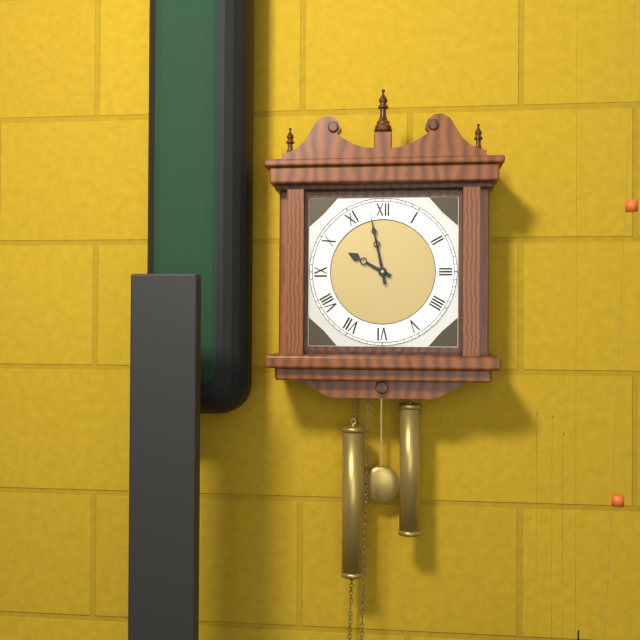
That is 9 h 58 min
